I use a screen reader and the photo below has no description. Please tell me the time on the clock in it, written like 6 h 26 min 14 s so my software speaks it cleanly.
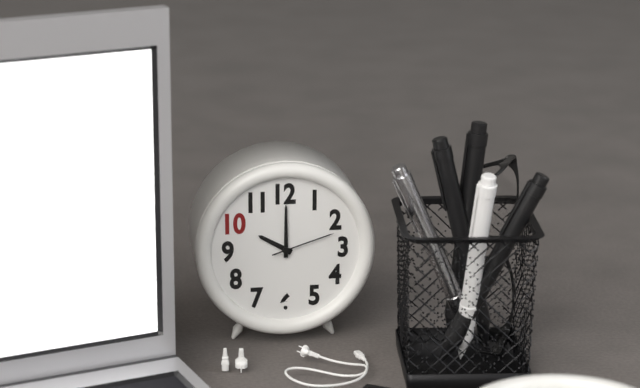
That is 10 h 00 min 12 s
